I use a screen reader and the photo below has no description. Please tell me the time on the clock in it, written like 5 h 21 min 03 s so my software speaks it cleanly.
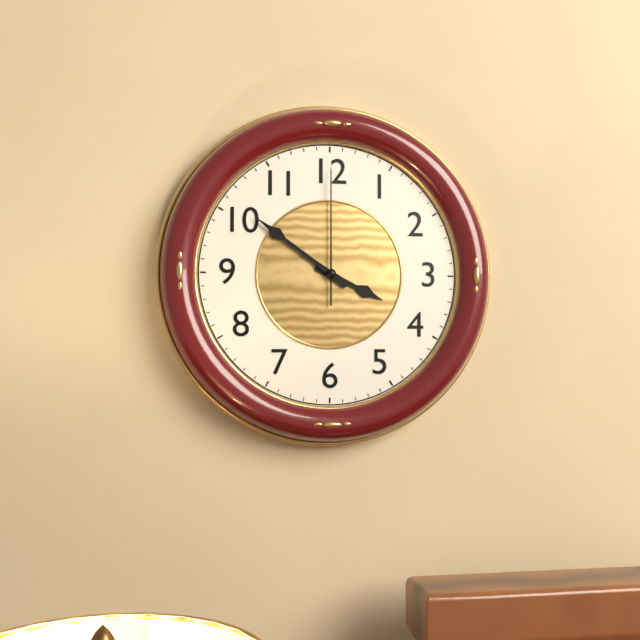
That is 3 h 51 min 00 s
